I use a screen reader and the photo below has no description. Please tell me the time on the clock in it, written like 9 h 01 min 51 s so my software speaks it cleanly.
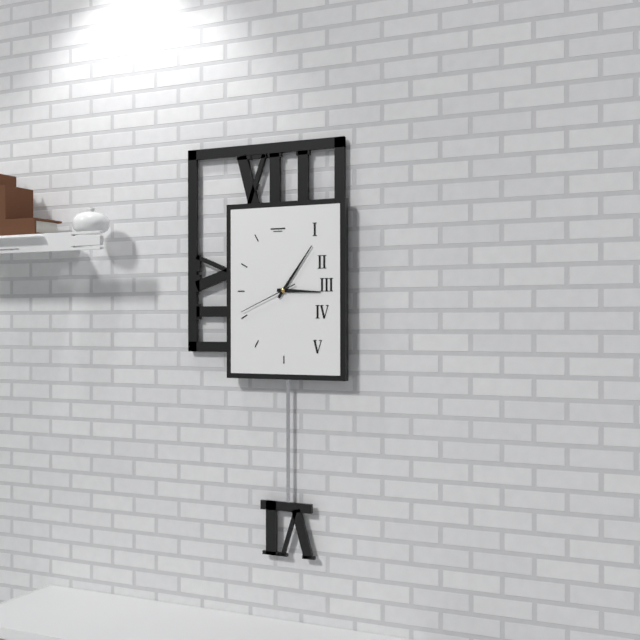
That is 3 h 06 min 41 s
